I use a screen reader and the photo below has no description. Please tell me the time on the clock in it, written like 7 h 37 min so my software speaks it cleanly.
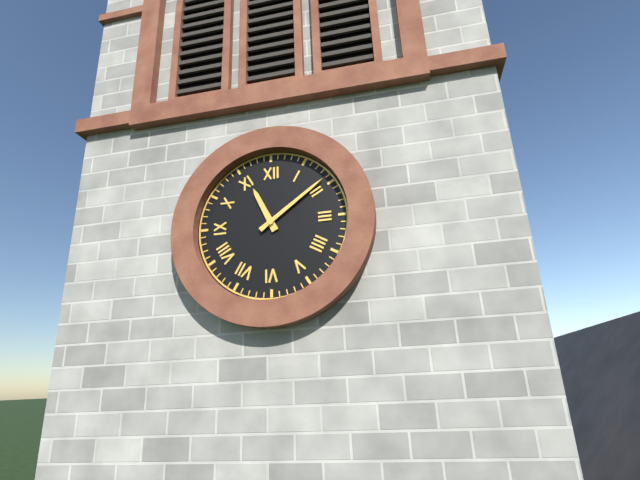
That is 11 h 09 min
